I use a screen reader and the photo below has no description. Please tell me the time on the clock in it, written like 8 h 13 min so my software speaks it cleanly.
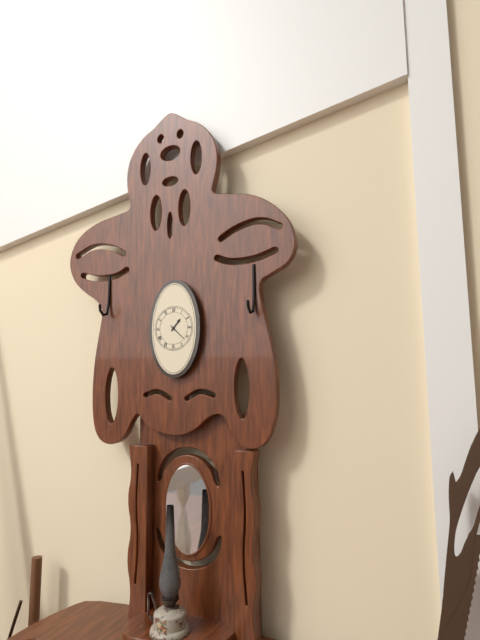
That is 1 h 22 min
